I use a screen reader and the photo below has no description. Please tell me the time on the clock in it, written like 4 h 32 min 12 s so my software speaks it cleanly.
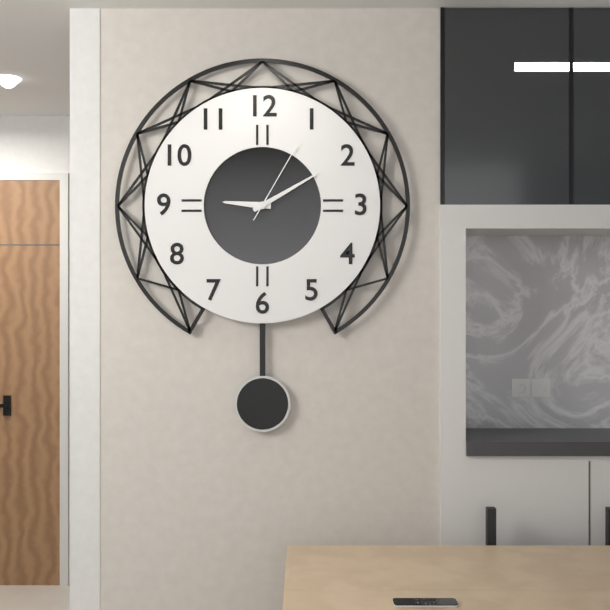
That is 9 h 10 min 05 s
